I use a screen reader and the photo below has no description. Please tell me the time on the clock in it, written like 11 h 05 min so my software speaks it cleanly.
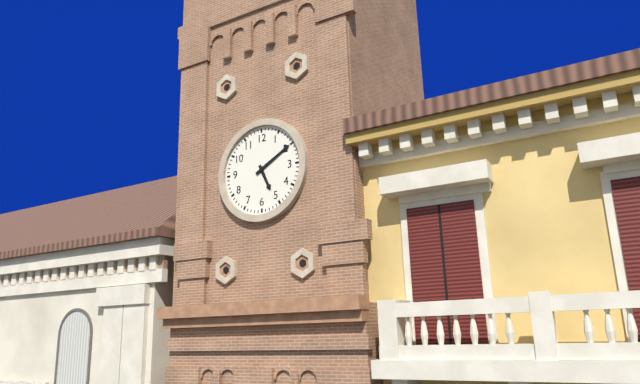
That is 5 h 10 min
